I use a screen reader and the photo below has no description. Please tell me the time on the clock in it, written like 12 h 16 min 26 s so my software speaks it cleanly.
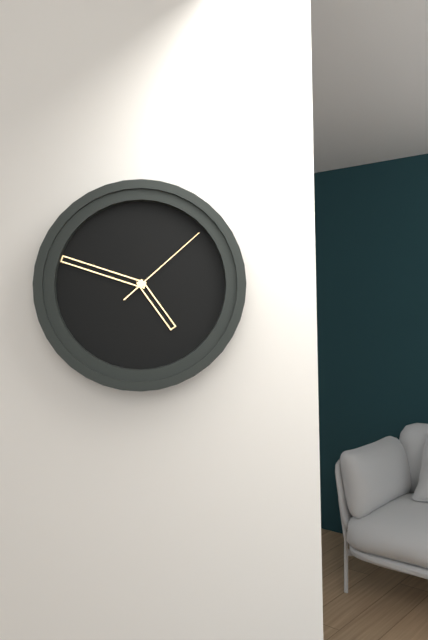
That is 4 h 48 min 08 s
